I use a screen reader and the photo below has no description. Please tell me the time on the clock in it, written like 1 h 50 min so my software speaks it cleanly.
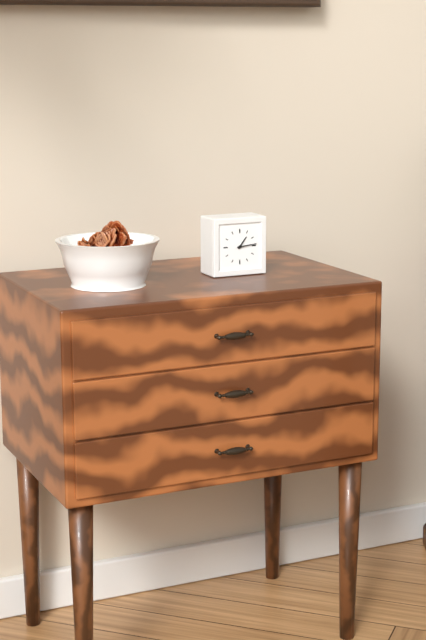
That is 1 h 14 min
